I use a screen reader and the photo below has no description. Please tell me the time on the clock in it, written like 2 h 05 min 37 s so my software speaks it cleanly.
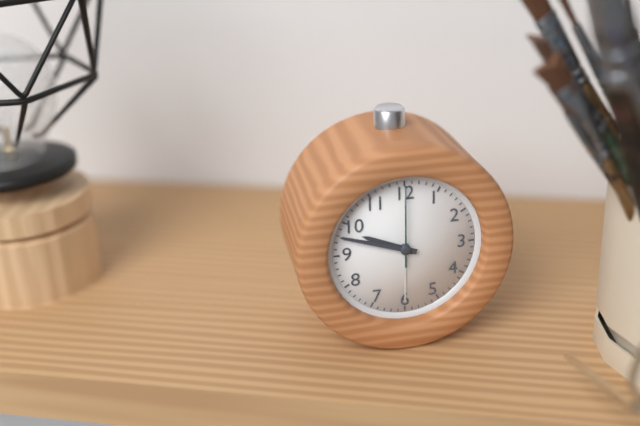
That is 9 h 48 min 00 s
